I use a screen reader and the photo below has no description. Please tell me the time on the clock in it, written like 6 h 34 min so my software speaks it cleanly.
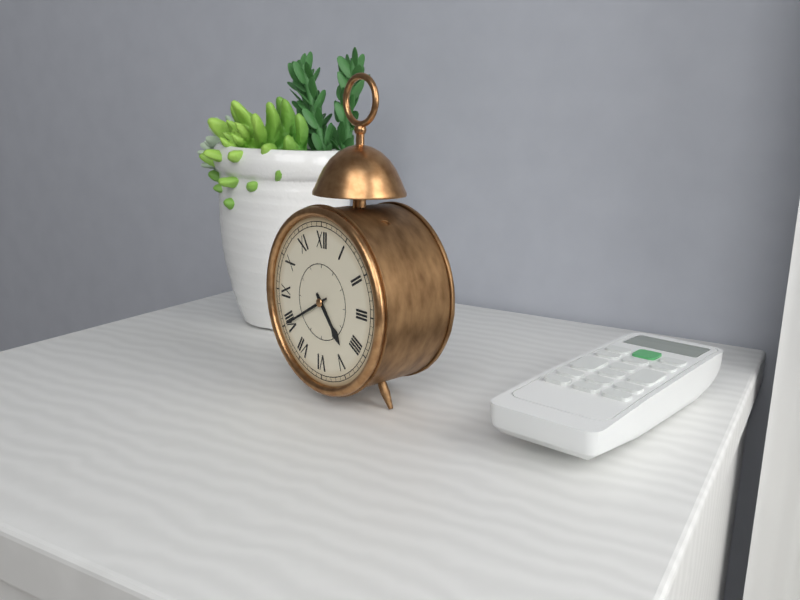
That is 4 h 40 min
